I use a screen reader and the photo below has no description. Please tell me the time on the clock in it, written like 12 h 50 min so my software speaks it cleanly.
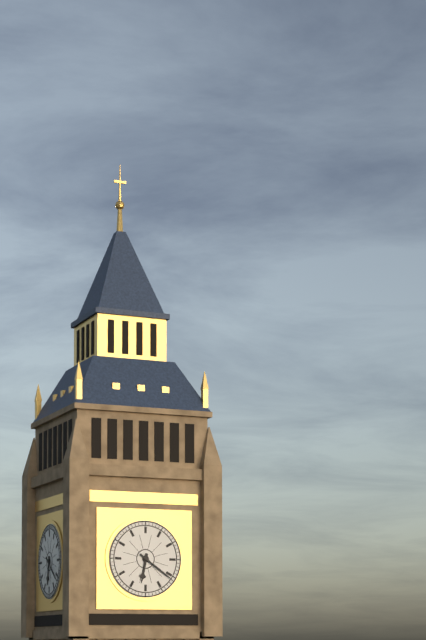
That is 6 h 21 min
